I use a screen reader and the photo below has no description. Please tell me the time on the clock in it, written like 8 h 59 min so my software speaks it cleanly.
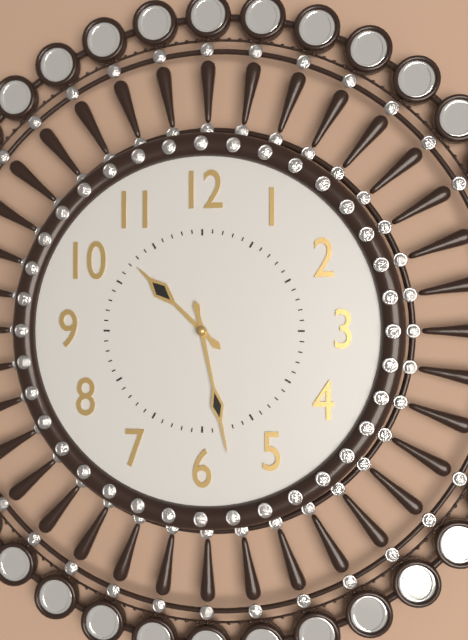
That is 10 h 28 min
